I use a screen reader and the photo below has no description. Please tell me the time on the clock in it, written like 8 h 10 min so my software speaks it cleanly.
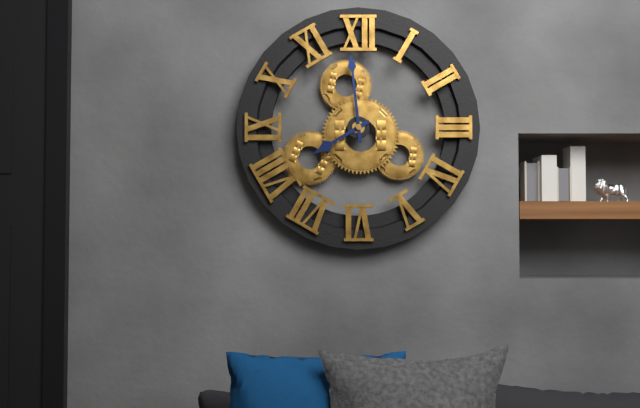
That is 7 h 59 min
